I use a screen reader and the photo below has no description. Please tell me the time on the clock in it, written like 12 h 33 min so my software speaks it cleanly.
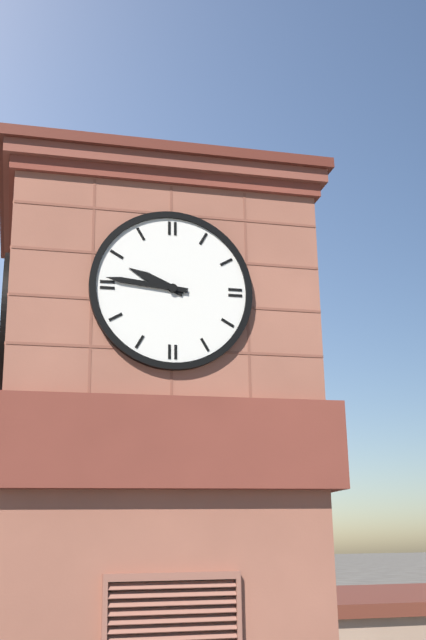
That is 9 h 46 min
